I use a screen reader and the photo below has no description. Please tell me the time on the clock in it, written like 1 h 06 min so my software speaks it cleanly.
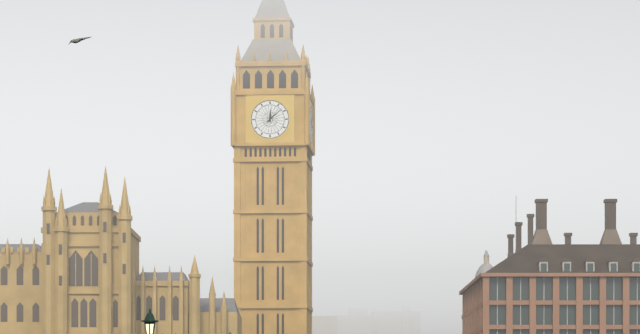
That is 12 h 08 min
